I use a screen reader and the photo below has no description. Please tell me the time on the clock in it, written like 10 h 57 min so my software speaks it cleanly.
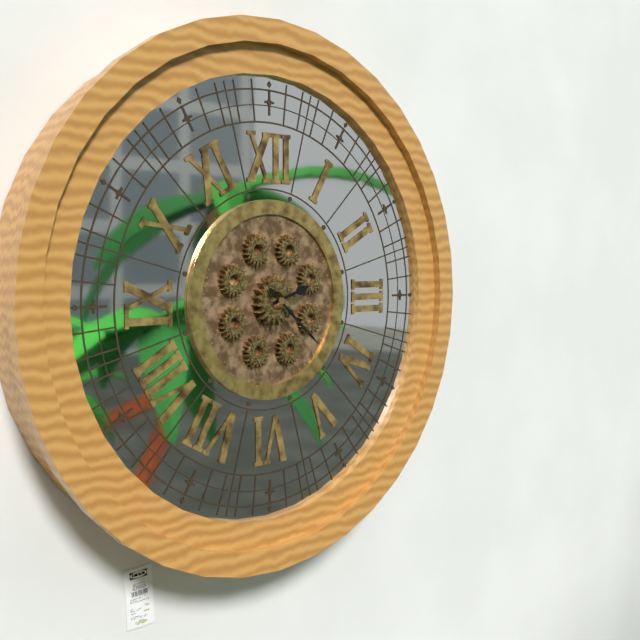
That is 2 h 22 min
